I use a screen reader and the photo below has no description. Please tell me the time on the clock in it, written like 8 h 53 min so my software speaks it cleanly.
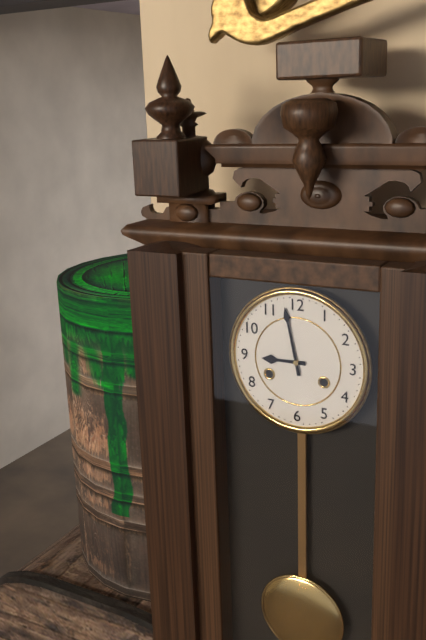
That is 8 h 58 min
